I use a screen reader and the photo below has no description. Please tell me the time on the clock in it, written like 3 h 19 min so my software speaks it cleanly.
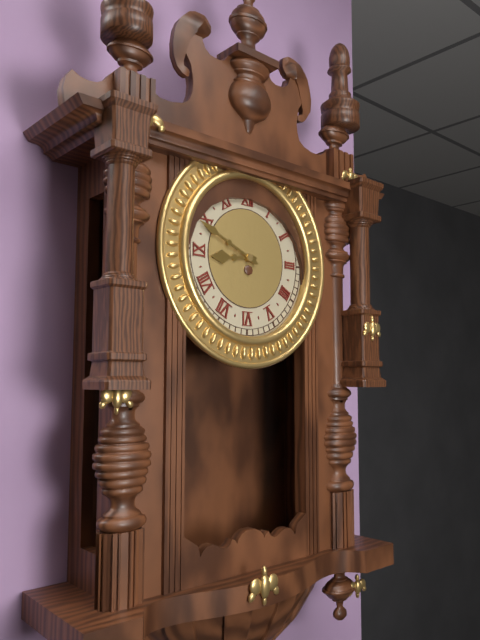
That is 8 h 49 min
